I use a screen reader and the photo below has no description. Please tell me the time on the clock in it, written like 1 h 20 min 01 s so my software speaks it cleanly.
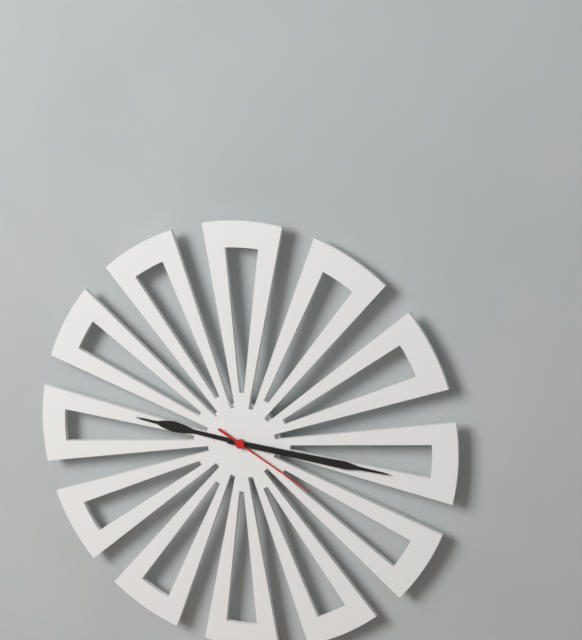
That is 9 h 16 min 20 s
